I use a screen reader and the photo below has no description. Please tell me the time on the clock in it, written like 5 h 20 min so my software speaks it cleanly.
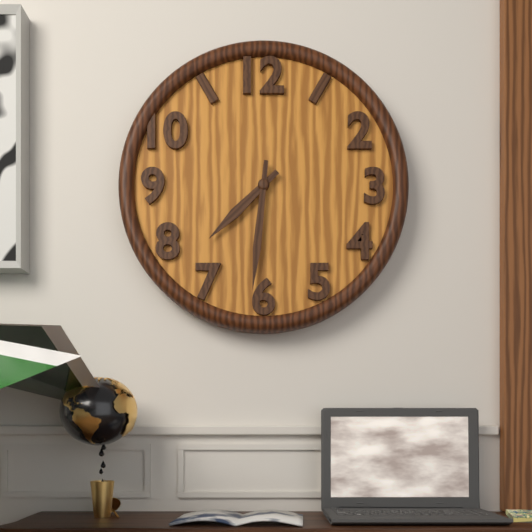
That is 7 h 31 min
